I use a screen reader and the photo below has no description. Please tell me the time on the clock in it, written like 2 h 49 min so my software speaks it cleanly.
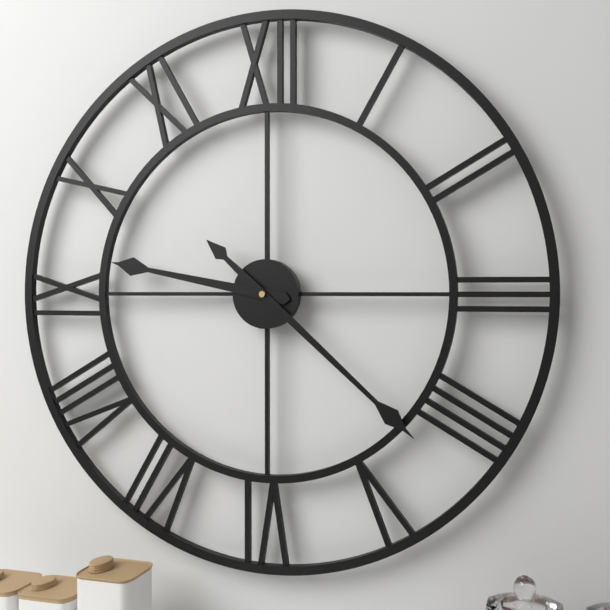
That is 9 h 22 min
